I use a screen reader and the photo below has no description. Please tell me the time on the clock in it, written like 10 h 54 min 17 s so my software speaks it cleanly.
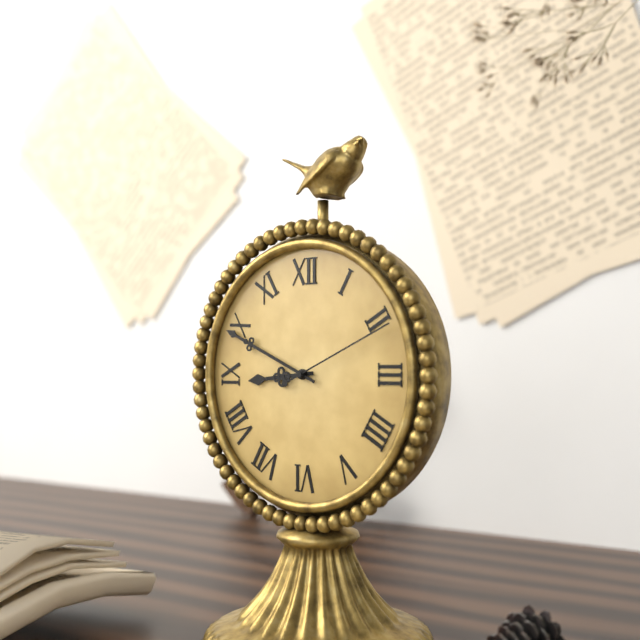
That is 8 h 49 min 11 s
